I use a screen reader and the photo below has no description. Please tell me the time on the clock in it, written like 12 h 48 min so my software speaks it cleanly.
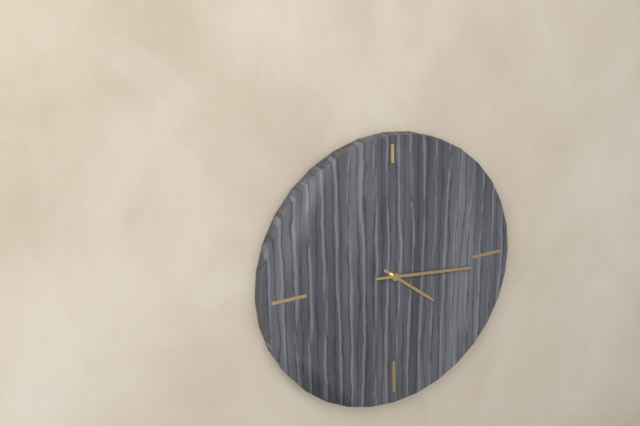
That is 4 h 16 min
